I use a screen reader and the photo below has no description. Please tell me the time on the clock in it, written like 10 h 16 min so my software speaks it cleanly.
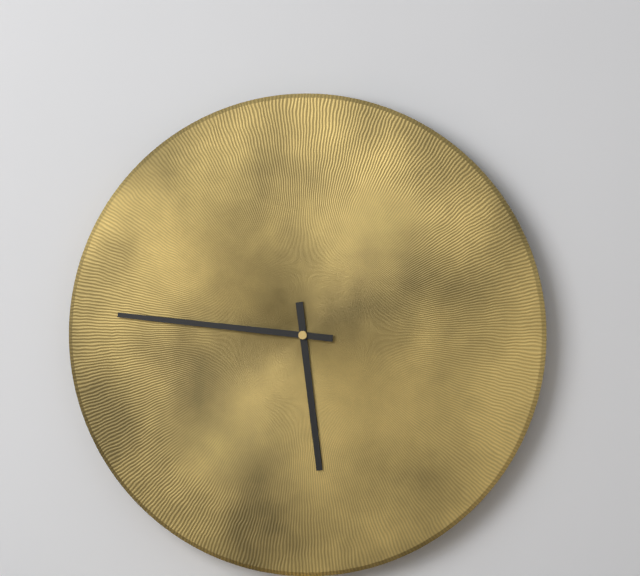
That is 5 h 46 min
